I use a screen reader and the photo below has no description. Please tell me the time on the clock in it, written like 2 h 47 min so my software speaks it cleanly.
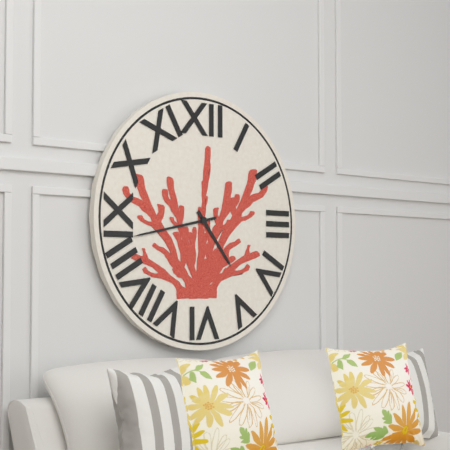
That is 4 h 43 min
